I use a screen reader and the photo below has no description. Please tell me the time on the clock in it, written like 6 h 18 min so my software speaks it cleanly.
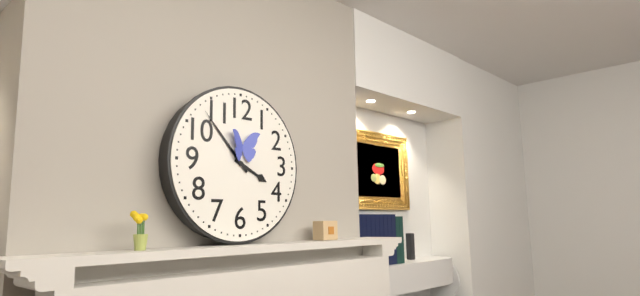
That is 3 h 53 min
